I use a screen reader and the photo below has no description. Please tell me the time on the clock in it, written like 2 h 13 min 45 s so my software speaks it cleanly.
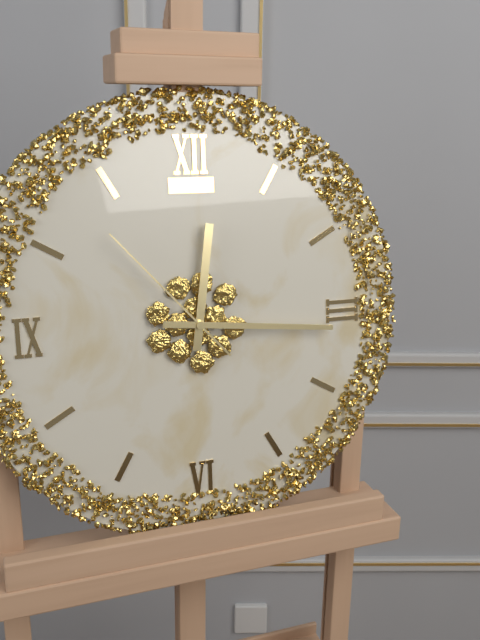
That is 12 h 16 min 53 s
